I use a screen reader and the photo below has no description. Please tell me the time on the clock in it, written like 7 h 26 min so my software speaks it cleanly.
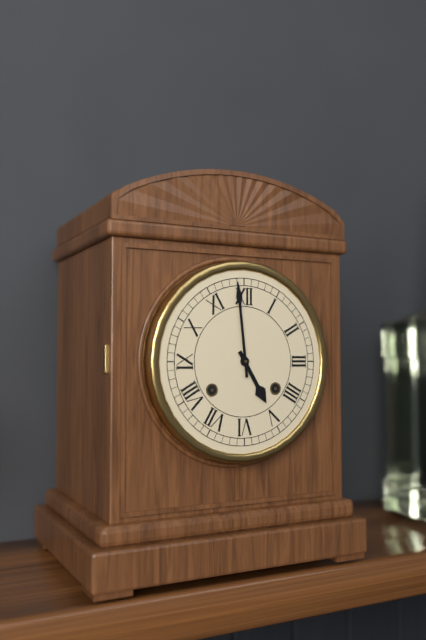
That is 4 h 59 min
